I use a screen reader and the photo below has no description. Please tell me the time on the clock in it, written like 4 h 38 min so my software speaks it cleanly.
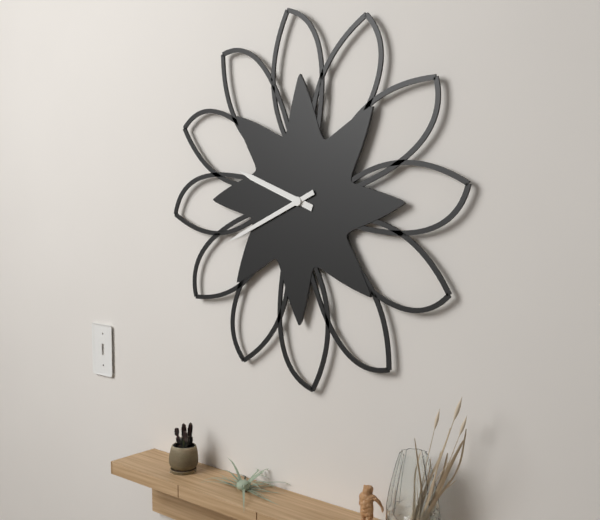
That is 9 h 41 min
